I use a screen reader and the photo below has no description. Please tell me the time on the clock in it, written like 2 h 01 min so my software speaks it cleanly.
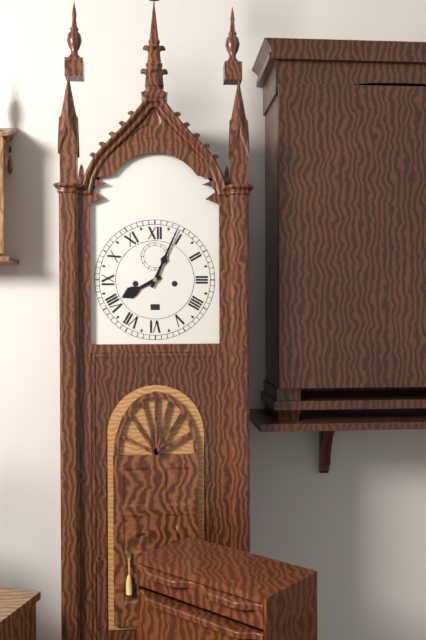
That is 8 h 04 min
